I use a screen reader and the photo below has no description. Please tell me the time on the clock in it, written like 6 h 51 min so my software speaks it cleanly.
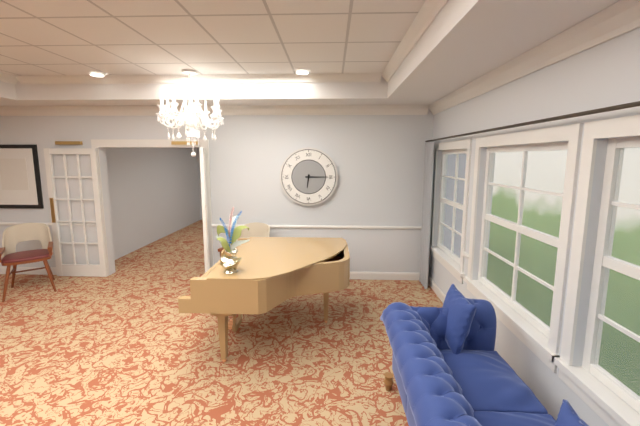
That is 6 h 15 min
